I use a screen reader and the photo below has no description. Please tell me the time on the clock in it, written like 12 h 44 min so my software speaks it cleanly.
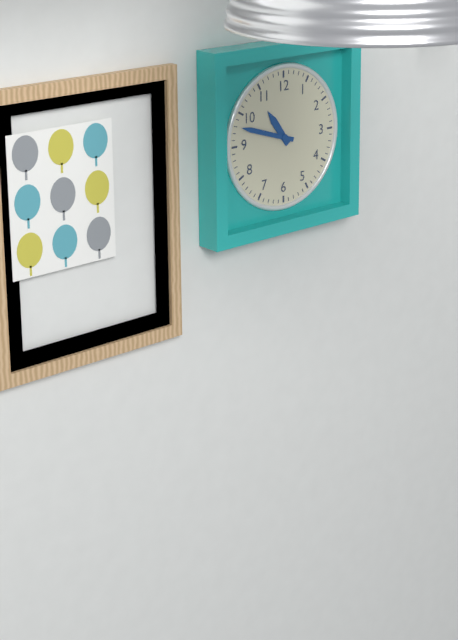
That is 10 h 48 min
